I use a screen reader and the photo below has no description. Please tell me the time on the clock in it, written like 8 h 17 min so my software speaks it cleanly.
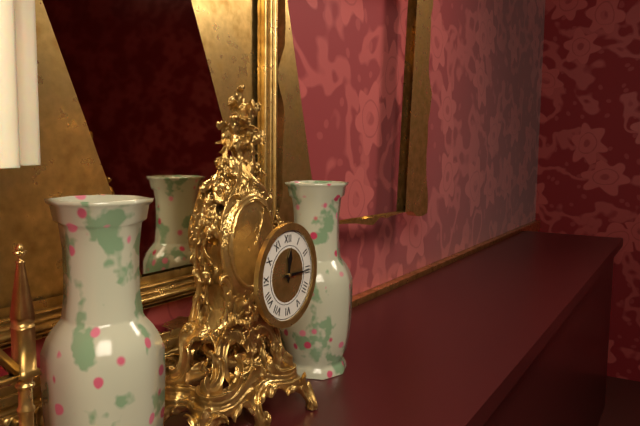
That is 12 h 15 min
